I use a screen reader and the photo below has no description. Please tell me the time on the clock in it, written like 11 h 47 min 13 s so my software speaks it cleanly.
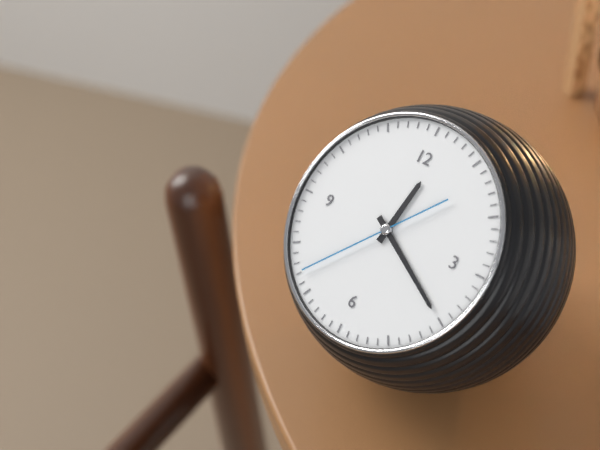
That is 12 h 20 min 37 s
